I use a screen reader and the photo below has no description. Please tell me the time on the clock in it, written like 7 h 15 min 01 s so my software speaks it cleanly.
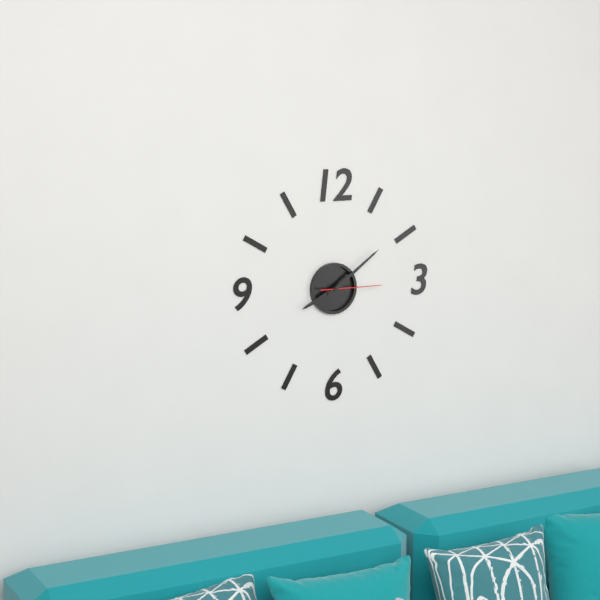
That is 8 h 09 min 15 s
